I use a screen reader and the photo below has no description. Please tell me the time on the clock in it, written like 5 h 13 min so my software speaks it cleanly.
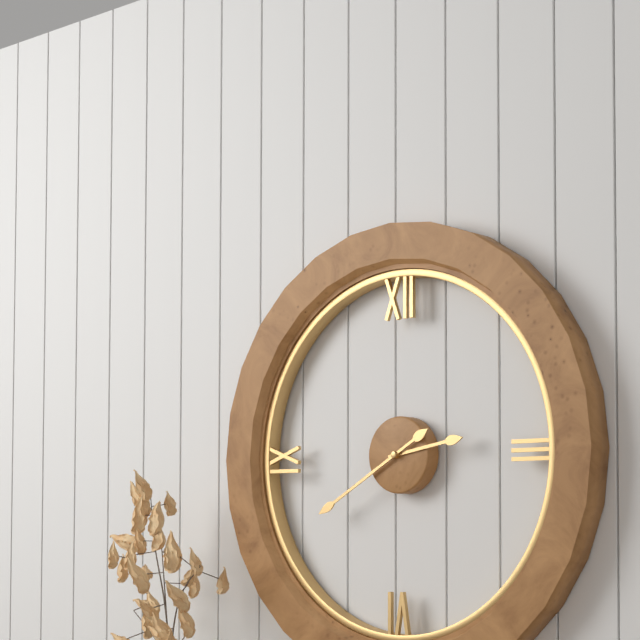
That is 2 h 40 min
